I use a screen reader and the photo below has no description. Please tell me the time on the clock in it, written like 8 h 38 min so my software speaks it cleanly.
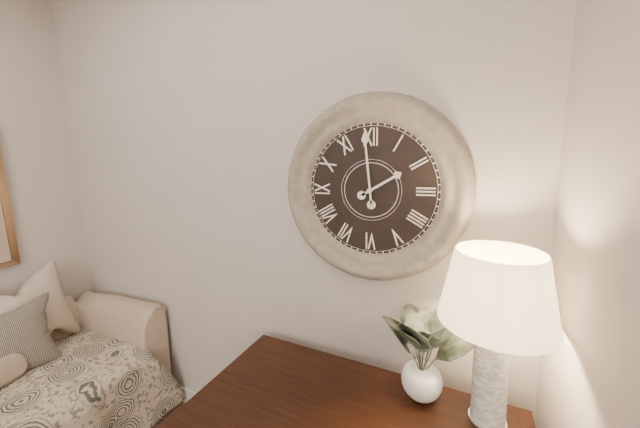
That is 1 h 59 min
